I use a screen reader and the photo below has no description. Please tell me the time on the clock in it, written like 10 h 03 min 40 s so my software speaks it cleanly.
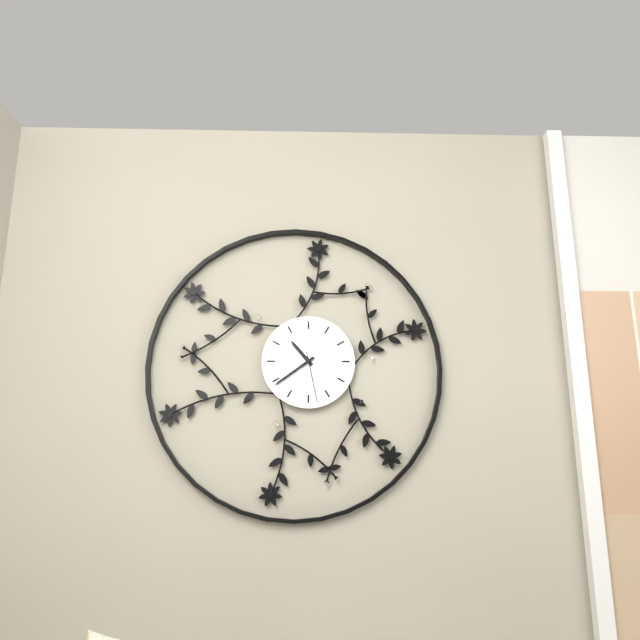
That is 10 h 39 min 28 s
